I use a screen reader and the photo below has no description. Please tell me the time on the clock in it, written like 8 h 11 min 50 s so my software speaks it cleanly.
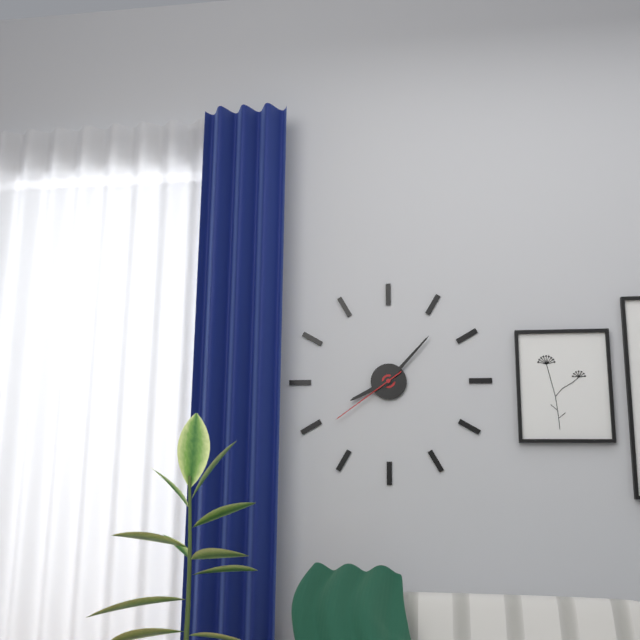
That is 8 h 07 min 39 s
